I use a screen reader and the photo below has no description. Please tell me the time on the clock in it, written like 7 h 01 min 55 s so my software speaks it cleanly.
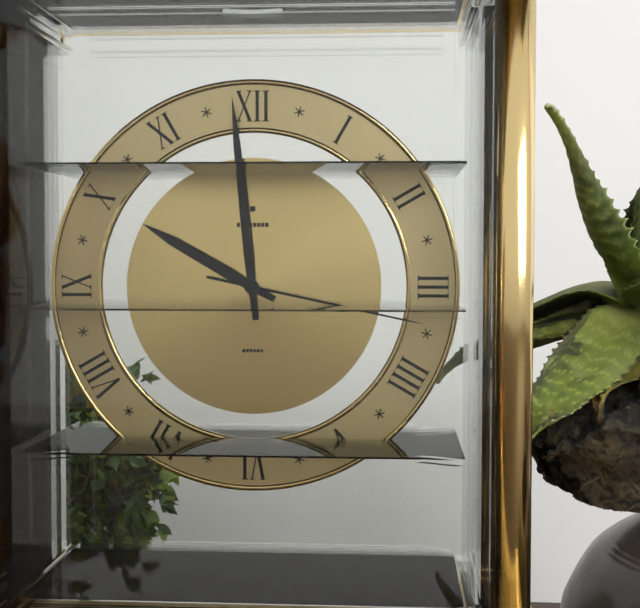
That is 9 h 59 min 17 s
